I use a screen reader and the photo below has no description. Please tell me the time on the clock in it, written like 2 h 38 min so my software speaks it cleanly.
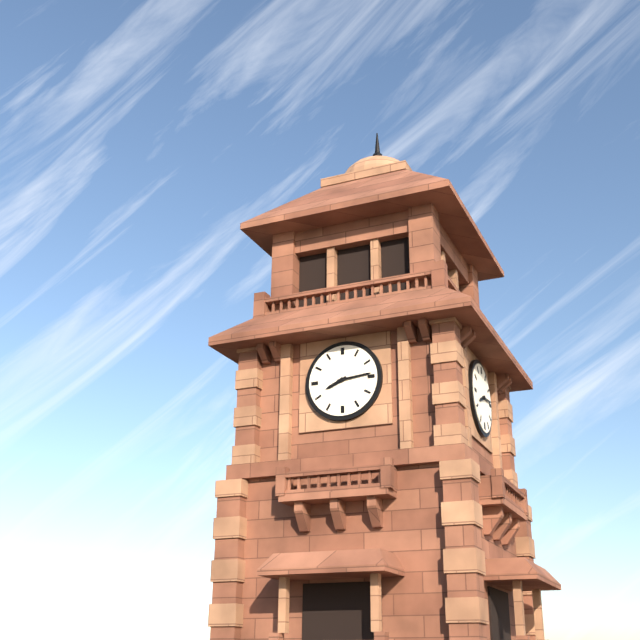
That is 8 h 14 min
